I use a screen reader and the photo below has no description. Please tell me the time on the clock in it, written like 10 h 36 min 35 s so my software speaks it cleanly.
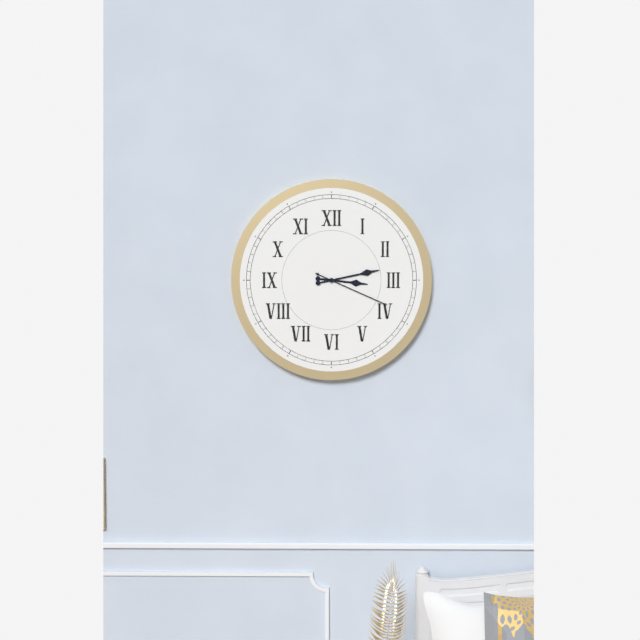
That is 3 h 13 min 19 s
